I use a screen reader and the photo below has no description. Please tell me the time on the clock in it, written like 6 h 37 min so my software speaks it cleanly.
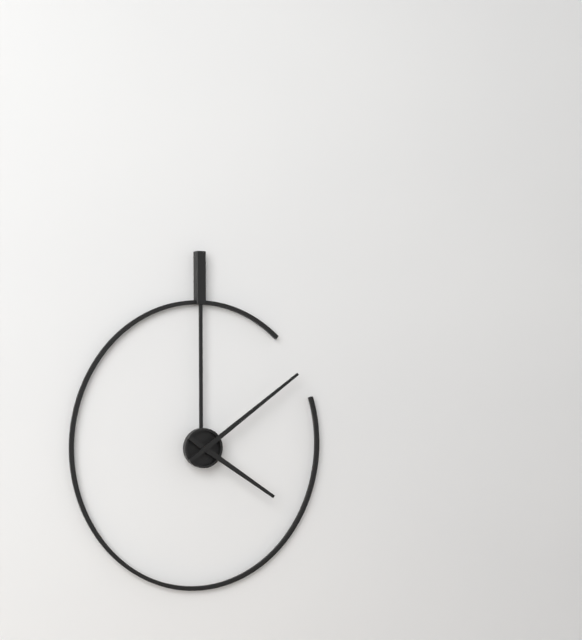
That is 4 h 09 min
